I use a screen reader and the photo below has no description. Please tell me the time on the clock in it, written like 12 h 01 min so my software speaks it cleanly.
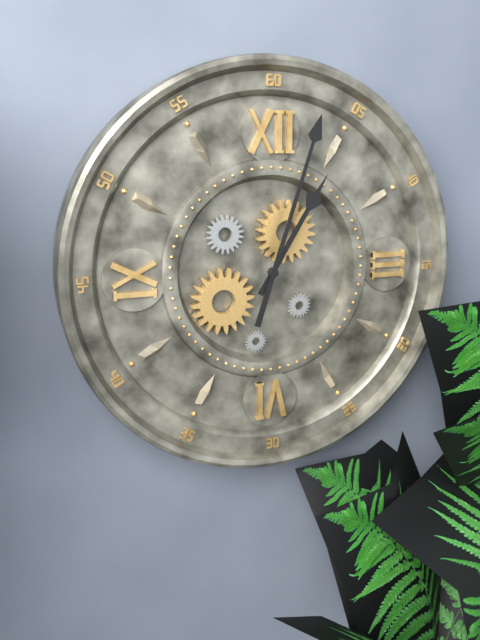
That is 1 h 03 min
